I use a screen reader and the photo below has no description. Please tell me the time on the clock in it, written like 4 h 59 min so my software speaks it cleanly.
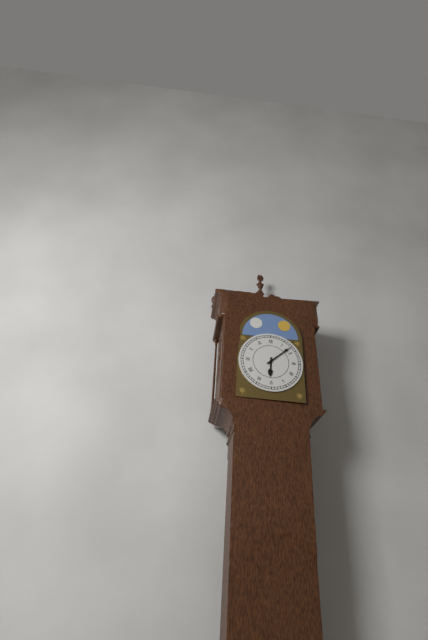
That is 6 h 08 min
